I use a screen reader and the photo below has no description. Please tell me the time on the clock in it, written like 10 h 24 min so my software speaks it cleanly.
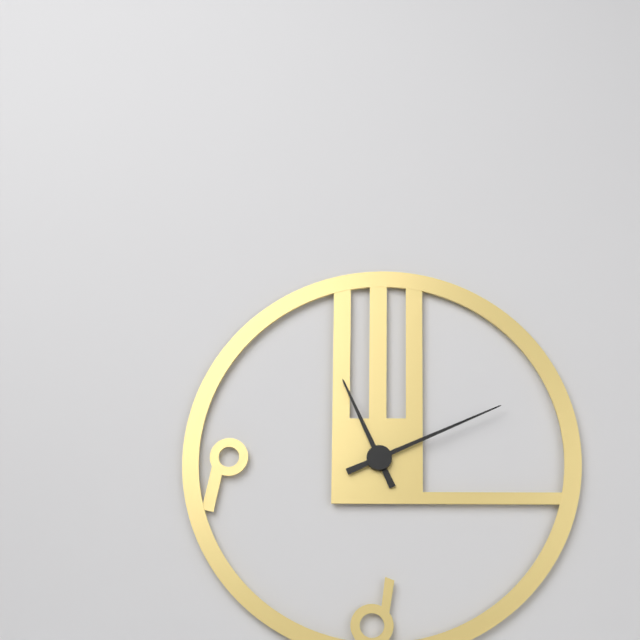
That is 11 h 11 min
